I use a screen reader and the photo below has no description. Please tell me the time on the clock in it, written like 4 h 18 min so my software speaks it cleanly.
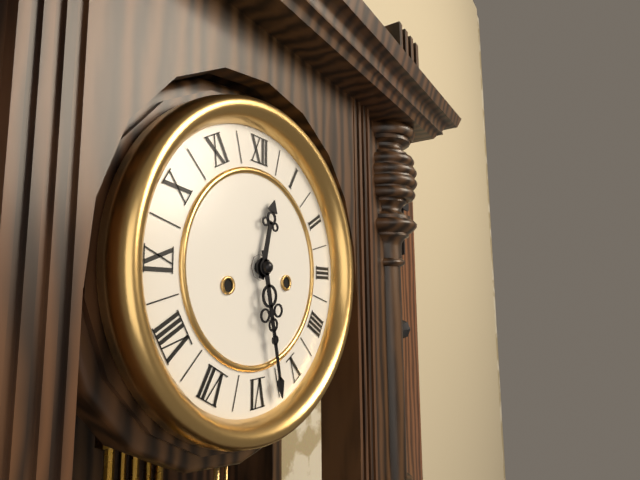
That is 12 h 28 min
